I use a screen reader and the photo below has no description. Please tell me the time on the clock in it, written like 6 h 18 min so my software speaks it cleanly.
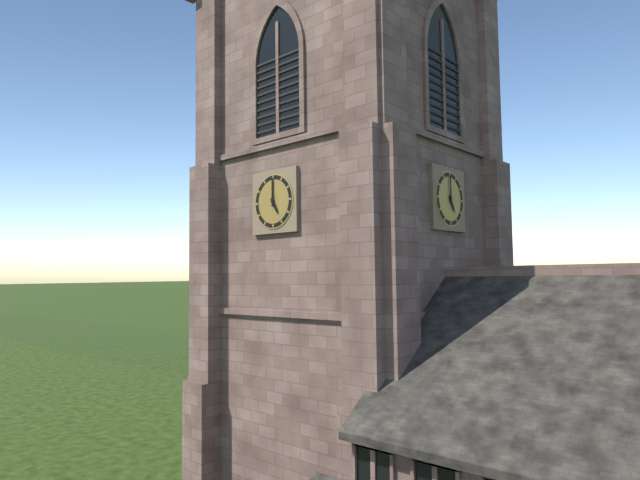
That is 5 h 00 min
